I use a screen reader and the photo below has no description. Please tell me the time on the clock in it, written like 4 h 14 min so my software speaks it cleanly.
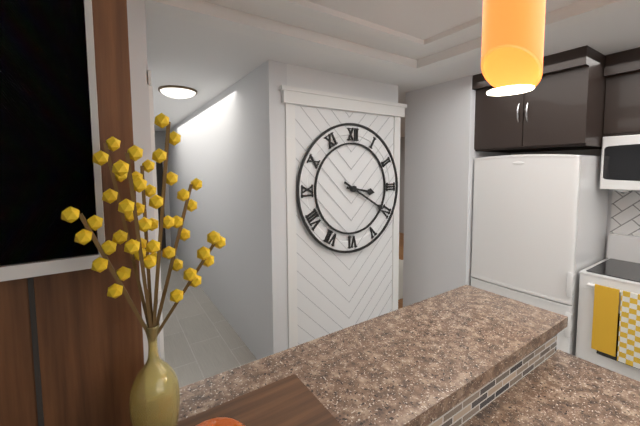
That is 3 h 20 min
